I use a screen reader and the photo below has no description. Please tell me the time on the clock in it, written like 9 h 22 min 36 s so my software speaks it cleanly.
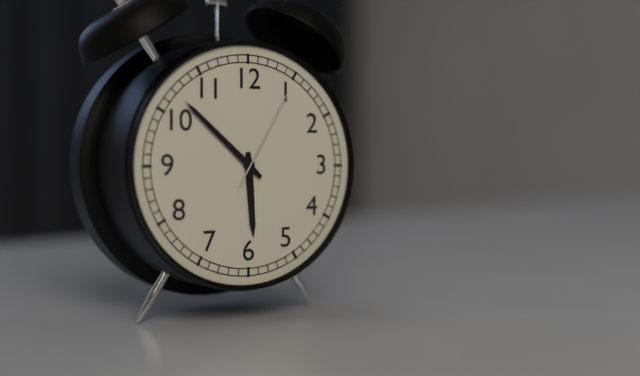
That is 5 h 52 min 05 s
